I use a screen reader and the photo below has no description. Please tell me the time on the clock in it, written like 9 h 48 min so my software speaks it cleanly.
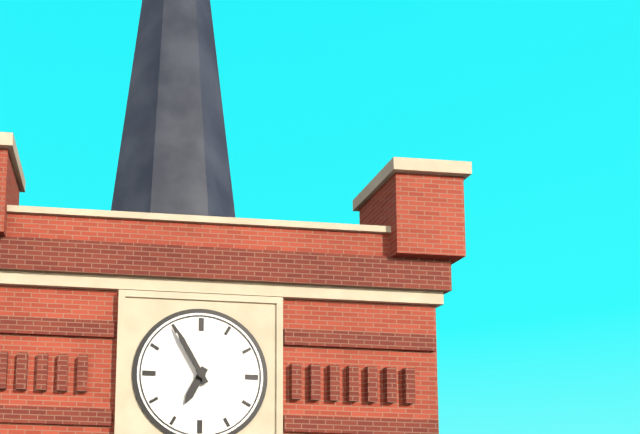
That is 6 h 55 min
